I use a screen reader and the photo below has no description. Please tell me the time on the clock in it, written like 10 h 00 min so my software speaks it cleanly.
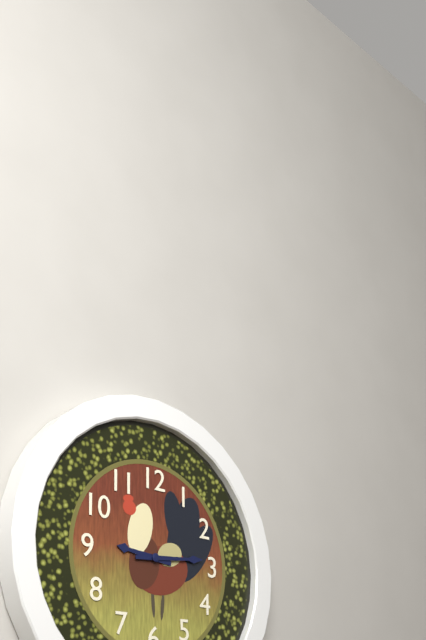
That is 9 h 14 min
